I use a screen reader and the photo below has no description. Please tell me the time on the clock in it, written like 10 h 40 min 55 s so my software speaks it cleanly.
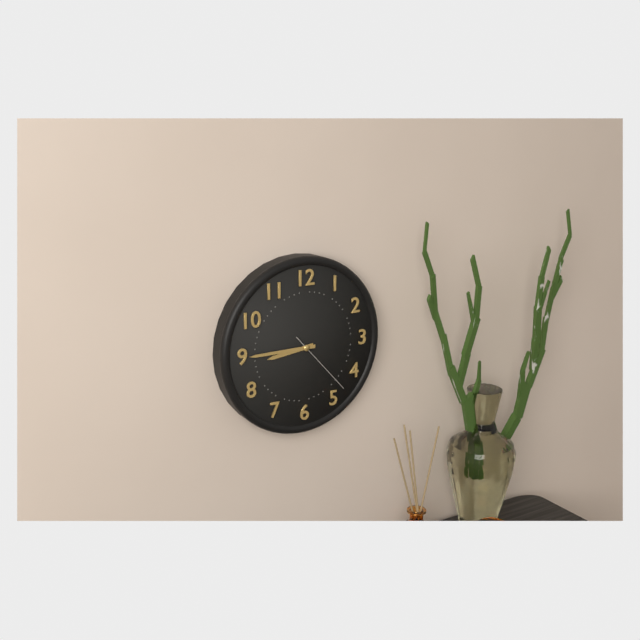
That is 8 h 45 min 23 s
